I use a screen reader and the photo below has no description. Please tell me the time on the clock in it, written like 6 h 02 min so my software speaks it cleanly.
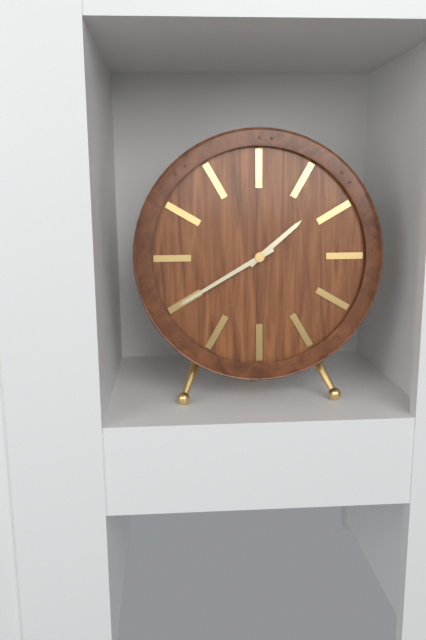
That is 1 h 40 min
